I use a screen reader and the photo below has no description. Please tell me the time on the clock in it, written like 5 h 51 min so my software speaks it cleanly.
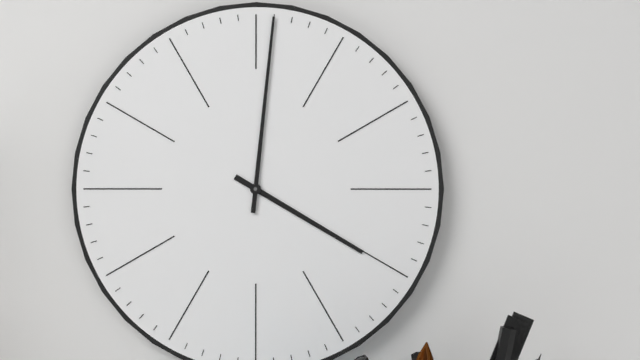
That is 4 h 01 min
